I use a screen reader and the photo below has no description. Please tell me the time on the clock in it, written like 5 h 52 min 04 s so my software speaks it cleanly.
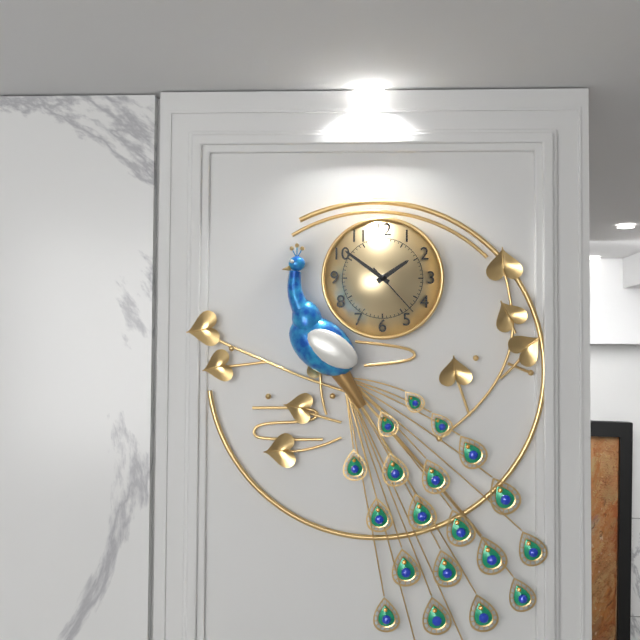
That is 1 h 51 min 23 s
